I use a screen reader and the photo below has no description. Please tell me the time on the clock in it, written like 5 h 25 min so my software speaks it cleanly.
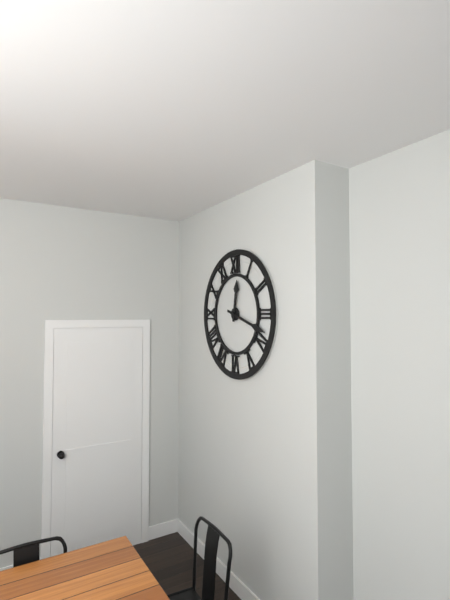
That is 12 h 18 min
